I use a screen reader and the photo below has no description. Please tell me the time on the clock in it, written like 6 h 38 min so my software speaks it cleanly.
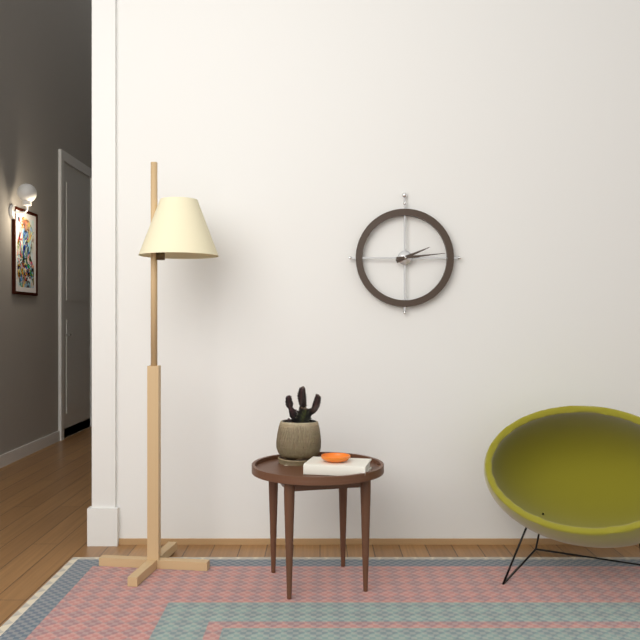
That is 2 h 14 min
